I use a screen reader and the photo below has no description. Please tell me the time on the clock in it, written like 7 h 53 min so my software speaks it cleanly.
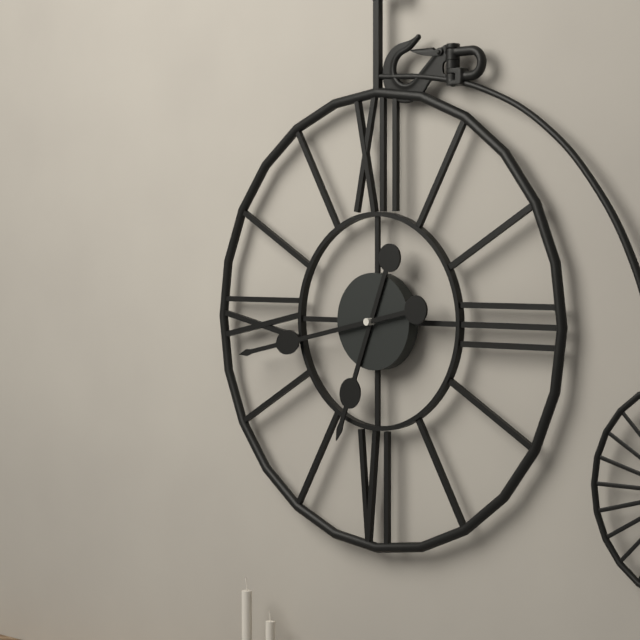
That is 6 h 43 min
